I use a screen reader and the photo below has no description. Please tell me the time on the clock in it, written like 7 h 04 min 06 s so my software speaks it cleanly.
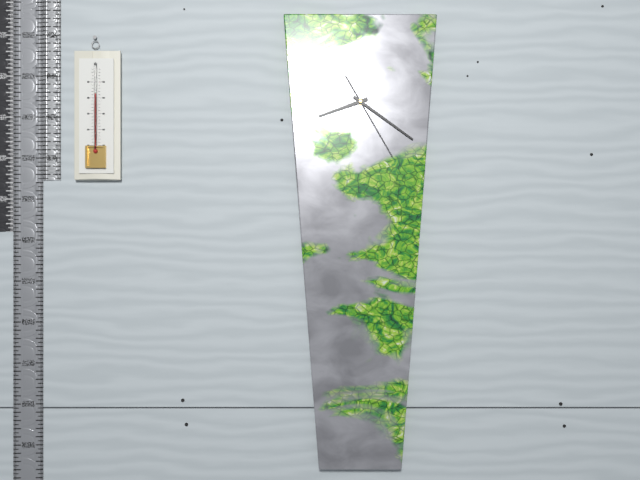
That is 8 h 21 min 25 s
